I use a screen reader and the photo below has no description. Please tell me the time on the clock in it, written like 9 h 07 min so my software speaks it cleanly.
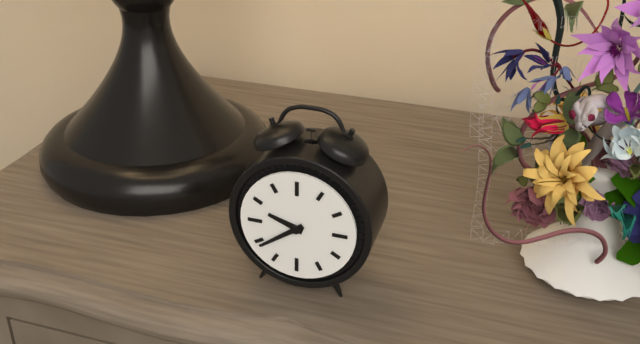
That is 9 h 39 min
